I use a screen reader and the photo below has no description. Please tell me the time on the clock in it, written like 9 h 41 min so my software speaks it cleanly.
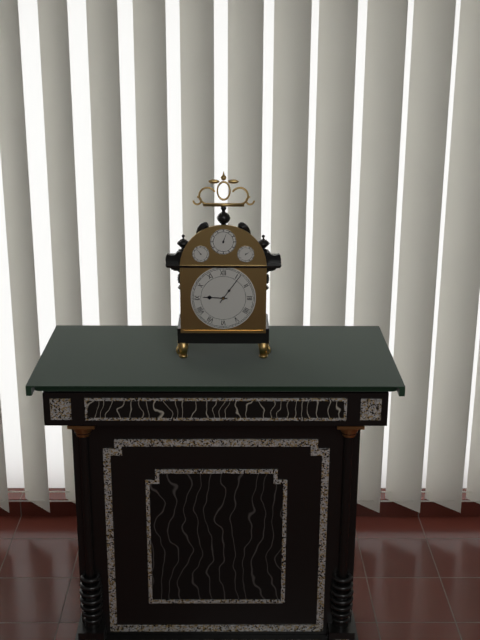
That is 9 h 06 min
